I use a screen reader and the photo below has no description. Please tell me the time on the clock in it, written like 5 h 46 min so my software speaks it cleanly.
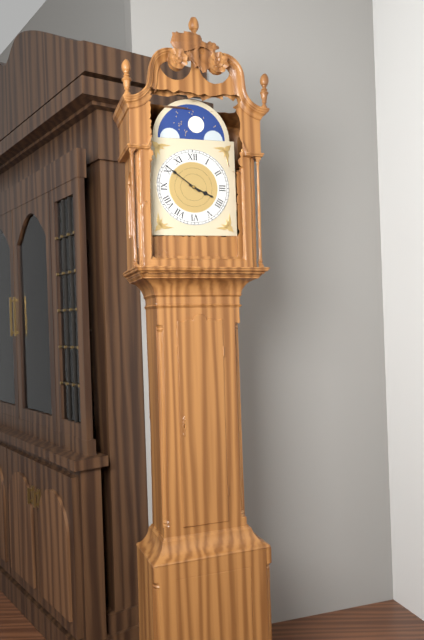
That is 3 h 51 min
